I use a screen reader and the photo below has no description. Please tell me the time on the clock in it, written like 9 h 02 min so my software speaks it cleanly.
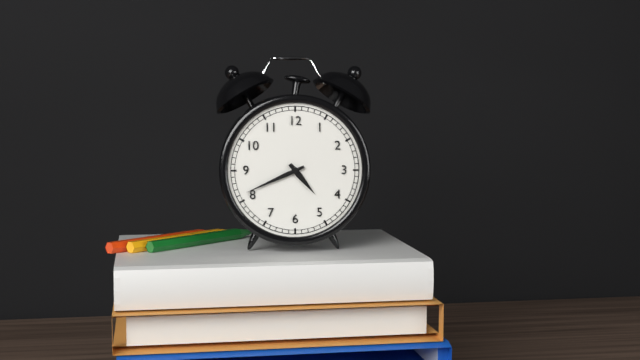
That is 4 h 41 min
